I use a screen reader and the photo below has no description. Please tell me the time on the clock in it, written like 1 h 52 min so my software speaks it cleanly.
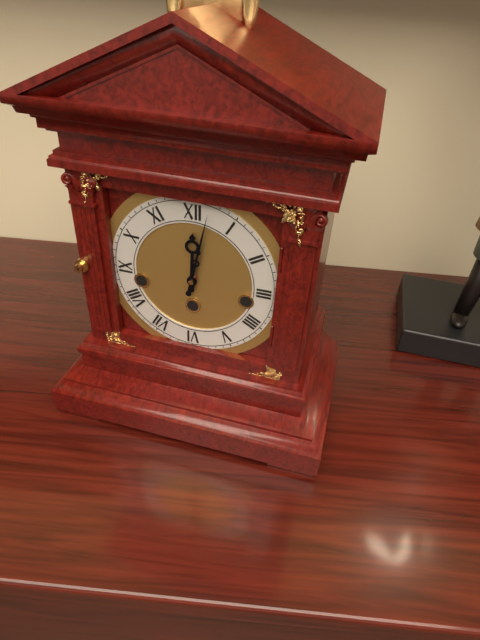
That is 12 h 02 min
